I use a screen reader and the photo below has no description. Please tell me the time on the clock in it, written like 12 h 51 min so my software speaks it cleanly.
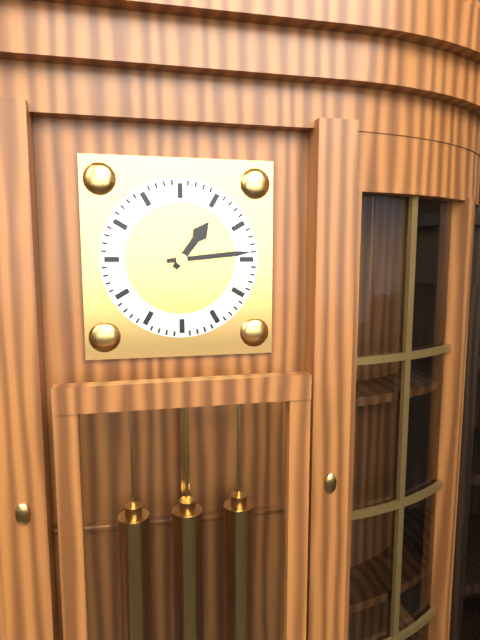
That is 1 h 14 min
